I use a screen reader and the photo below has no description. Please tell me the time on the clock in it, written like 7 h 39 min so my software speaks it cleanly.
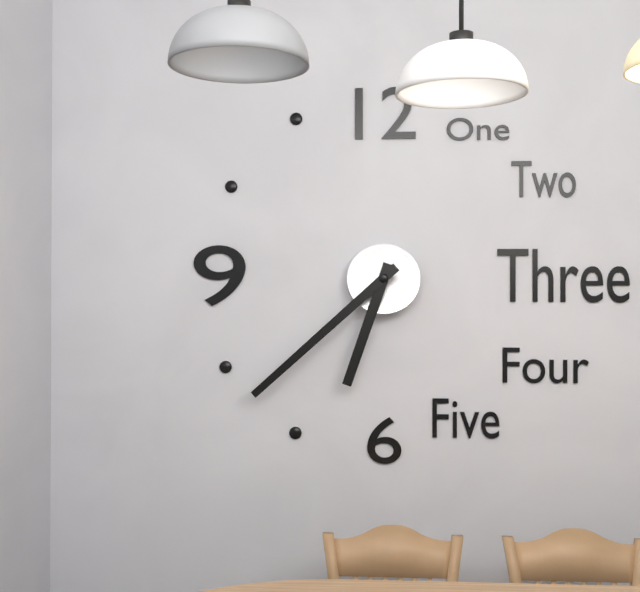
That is 6 h 38 min
